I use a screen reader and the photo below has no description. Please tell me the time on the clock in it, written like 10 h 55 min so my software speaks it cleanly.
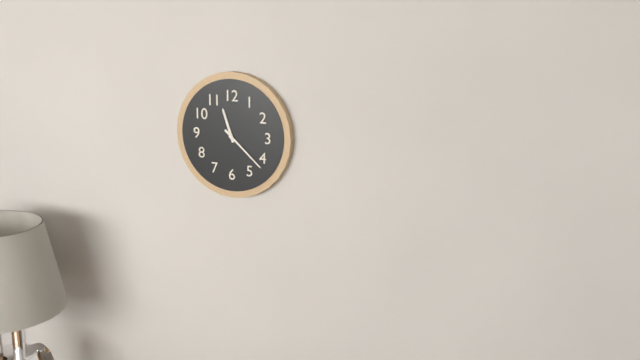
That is 11 h 22 min
